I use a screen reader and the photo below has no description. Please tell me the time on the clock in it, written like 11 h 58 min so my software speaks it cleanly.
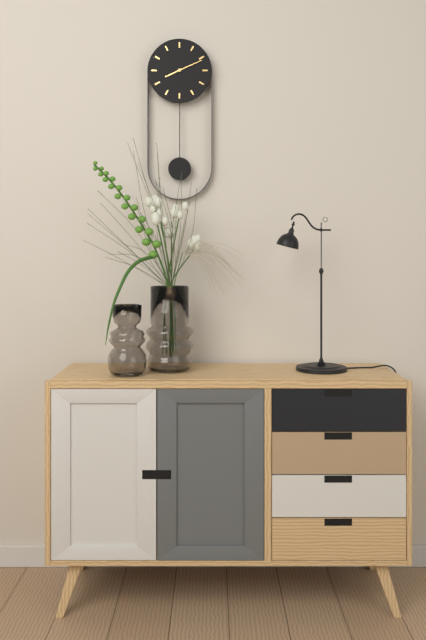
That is 8 h 11 min
